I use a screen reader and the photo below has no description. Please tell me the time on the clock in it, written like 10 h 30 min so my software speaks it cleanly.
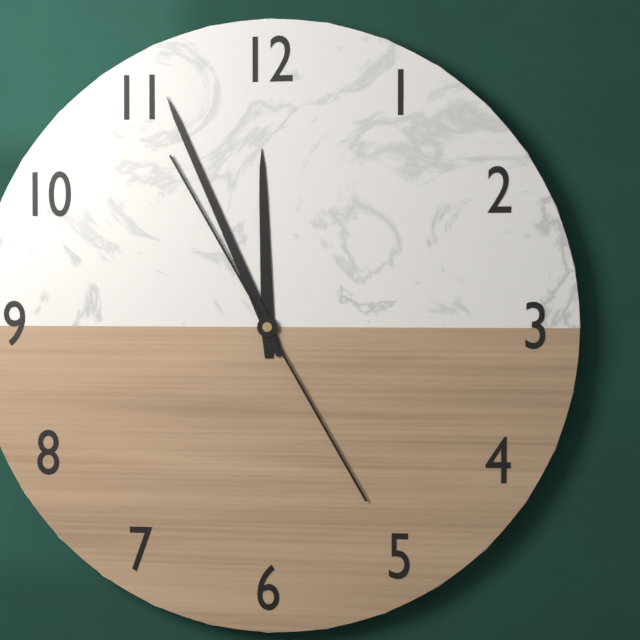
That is 11 h 56 min
